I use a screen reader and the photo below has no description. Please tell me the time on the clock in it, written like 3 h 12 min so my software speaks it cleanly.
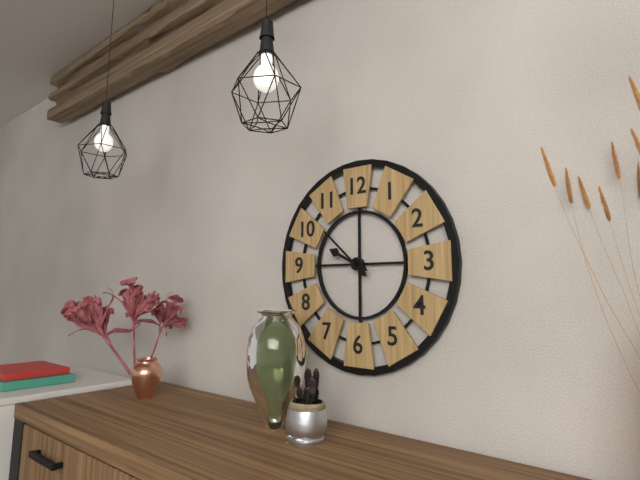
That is 9 h 52 min
